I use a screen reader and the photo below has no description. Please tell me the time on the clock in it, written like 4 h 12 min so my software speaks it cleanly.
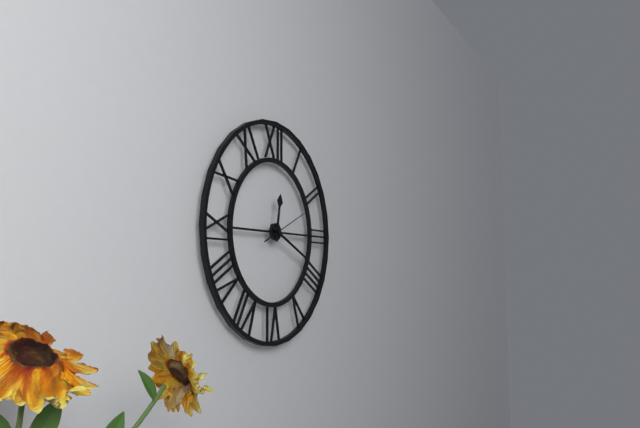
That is 12 h 19 min
